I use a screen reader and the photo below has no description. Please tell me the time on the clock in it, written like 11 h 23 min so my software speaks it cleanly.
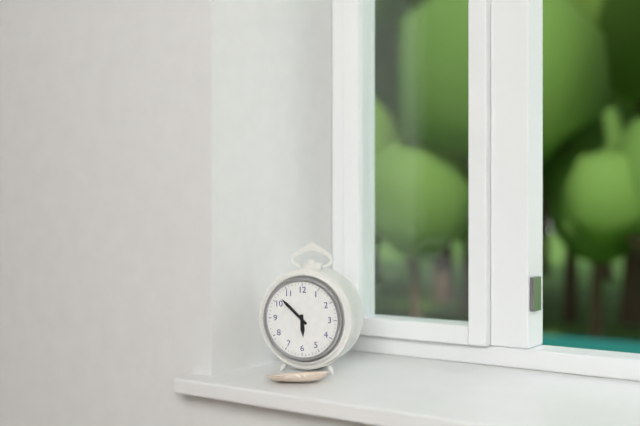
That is 5 h 52 min
